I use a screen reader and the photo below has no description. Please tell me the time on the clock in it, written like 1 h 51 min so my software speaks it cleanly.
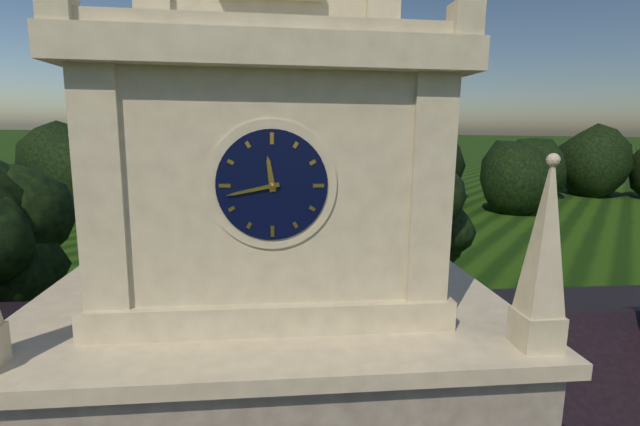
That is 11 h 43 min
